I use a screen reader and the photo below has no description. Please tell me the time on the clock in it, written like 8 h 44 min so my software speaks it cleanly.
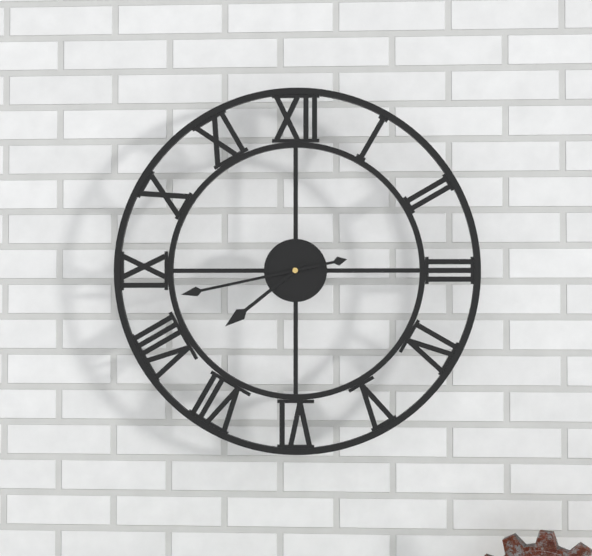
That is 7 h 43 min
